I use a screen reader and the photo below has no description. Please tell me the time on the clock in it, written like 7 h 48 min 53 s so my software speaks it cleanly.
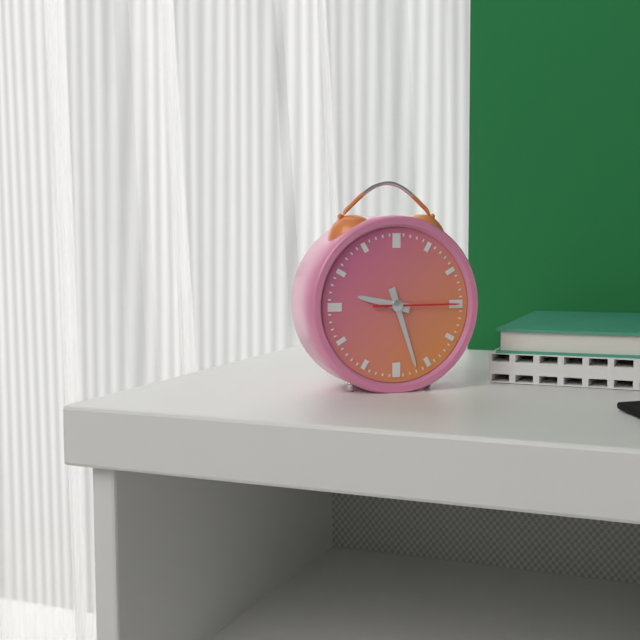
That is 9 h 27 min 15 s
